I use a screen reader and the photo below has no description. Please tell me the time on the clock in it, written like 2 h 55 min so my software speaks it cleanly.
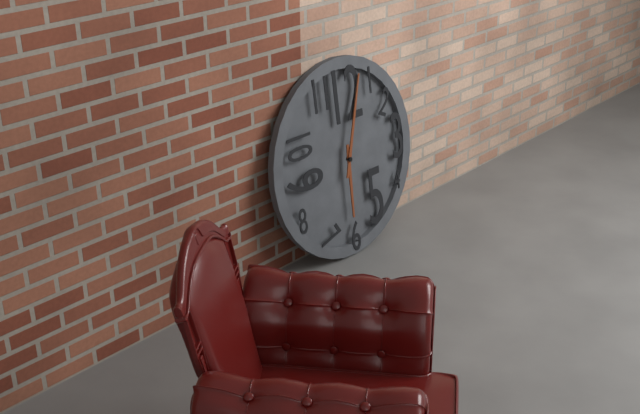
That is 6 h 03 min
